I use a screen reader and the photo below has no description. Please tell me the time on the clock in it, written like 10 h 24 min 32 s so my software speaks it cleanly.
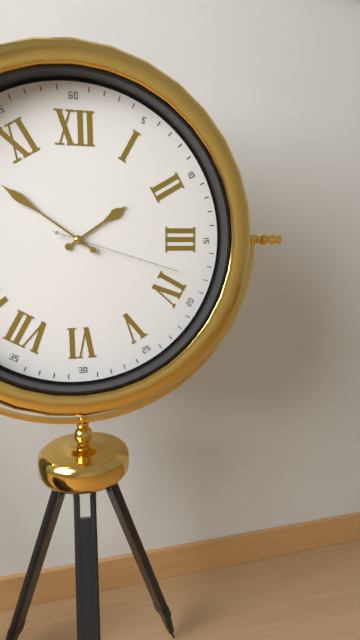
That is 1 h 51 min 18 s
